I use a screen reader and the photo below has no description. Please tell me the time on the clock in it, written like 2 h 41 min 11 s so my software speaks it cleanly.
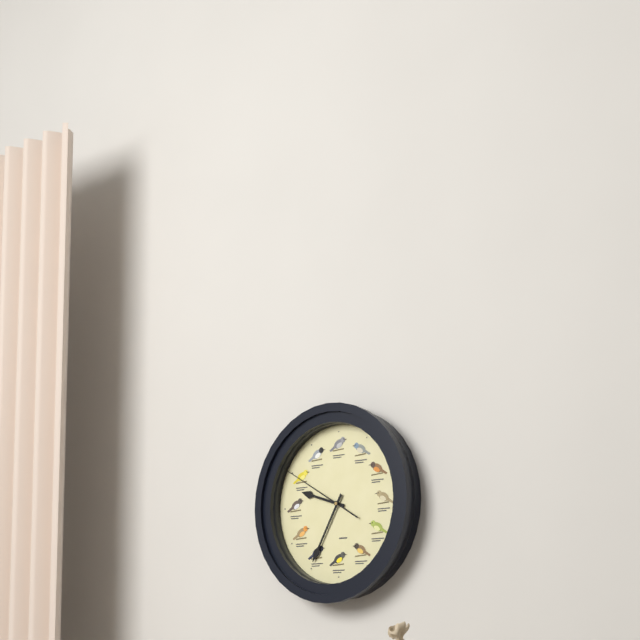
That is 9 h 35 min 50 s
